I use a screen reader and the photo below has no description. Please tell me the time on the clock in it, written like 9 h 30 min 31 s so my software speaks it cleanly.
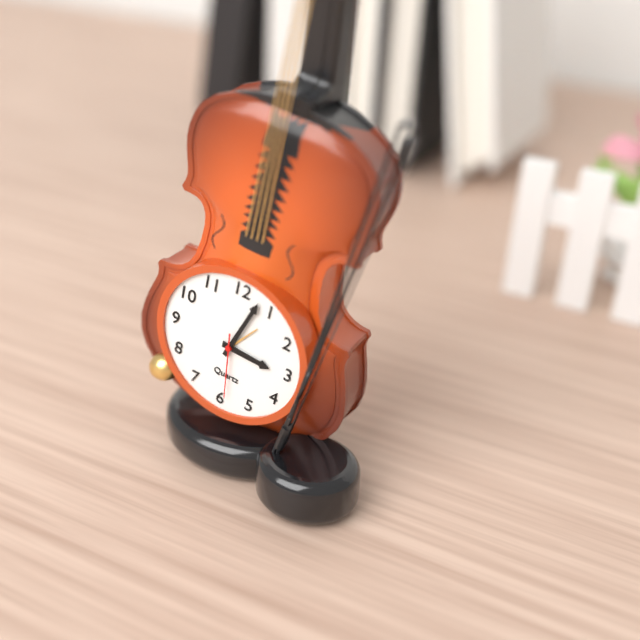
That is 3 h 03 min 29 s
